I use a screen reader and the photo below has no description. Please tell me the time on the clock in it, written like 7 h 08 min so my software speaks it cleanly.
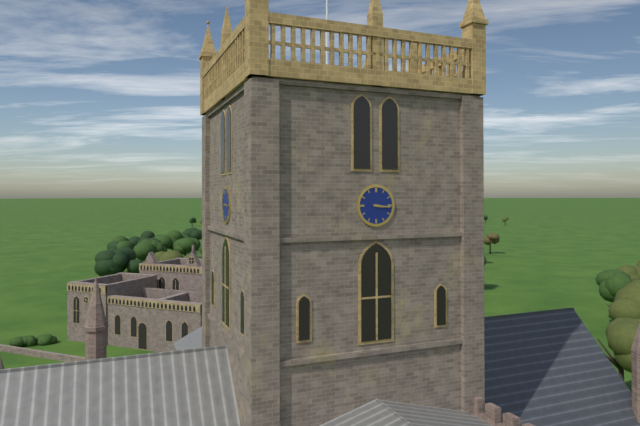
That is 3 h 16 min
